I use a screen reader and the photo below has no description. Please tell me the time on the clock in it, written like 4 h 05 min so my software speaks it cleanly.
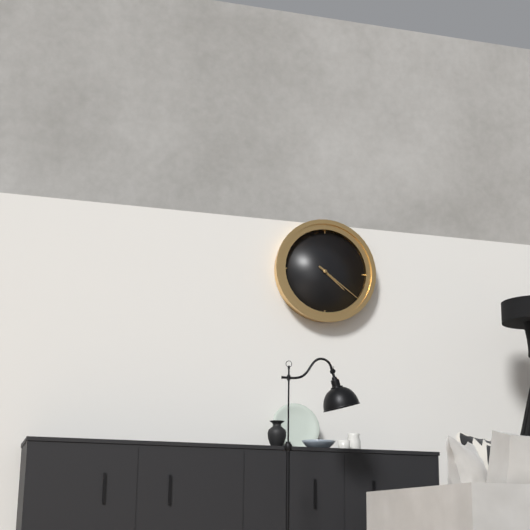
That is 4 h 21 min
